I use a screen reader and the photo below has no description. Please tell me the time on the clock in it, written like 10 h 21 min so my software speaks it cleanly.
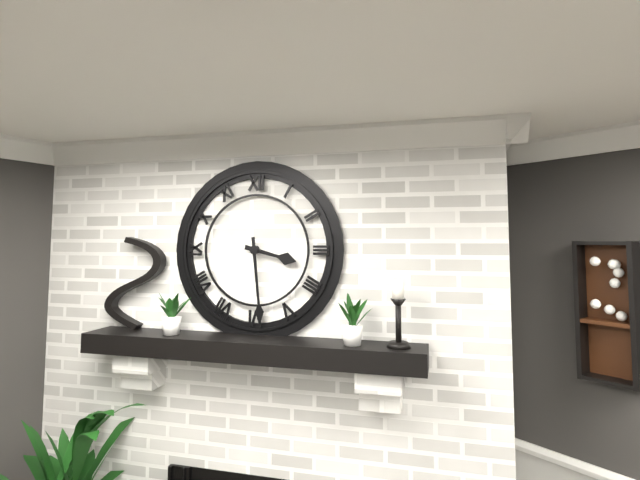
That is 3 h 29 min
